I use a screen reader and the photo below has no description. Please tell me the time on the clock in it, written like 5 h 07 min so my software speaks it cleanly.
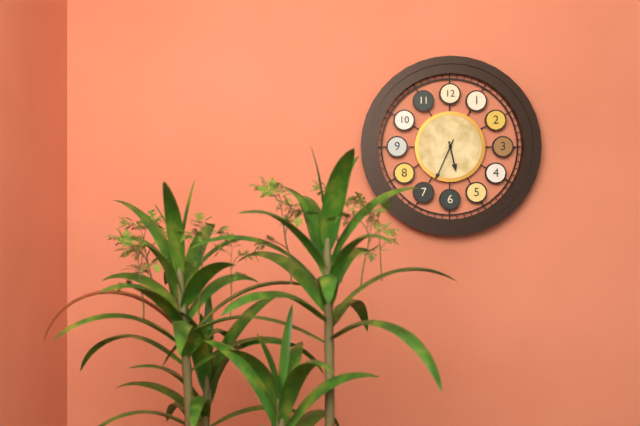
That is 5 h 34 min
